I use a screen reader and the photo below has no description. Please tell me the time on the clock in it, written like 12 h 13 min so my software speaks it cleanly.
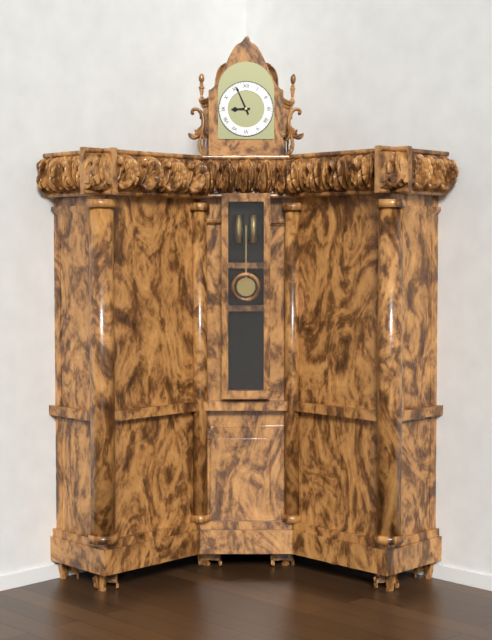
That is 8 h 56 min
